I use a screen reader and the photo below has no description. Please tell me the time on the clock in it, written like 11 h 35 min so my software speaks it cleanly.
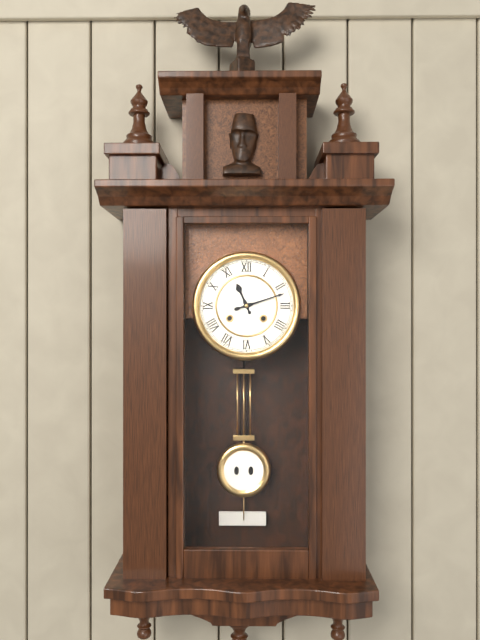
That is 11 h 12 min
